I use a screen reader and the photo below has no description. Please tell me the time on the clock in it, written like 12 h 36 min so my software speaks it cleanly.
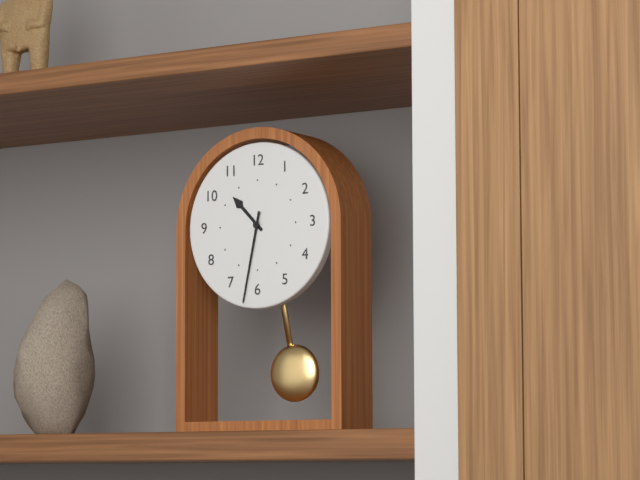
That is 10 h 32 min
